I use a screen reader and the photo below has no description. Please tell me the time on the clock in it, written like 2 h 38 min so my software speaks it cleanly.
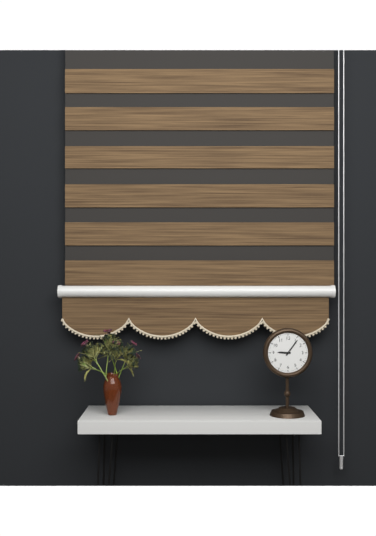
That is 9 h 06 min
